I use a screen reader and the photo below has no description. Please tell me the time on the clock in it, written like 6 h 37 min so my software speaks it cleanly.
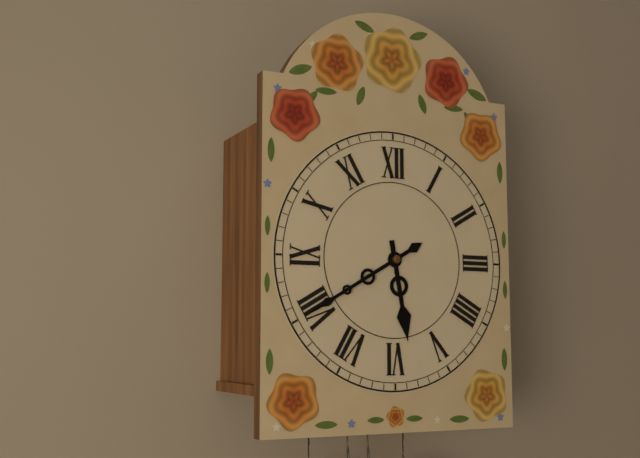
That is 5 h 40 min
